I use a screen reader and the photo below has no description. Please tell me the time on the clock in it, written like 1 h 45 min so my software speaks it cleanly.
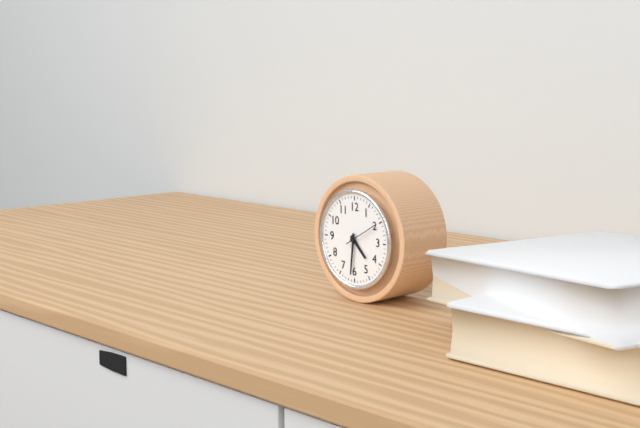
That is 4 h 31 min
